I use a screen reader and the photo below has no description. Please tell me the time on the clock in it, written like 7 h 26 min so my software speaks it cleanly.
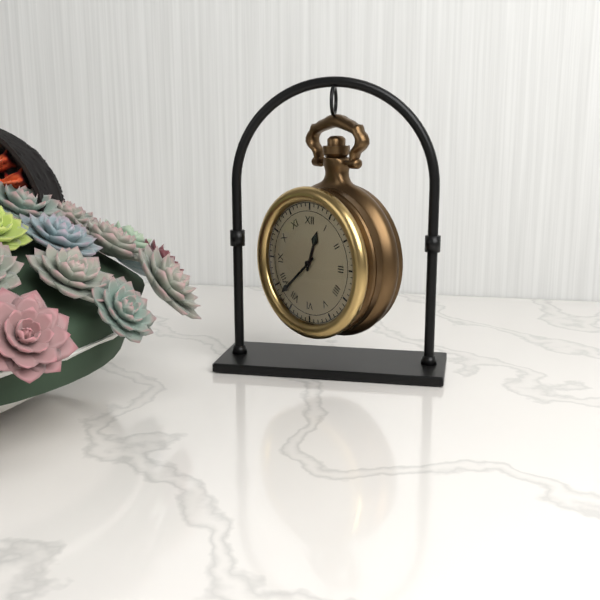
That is 12 h 38 min
